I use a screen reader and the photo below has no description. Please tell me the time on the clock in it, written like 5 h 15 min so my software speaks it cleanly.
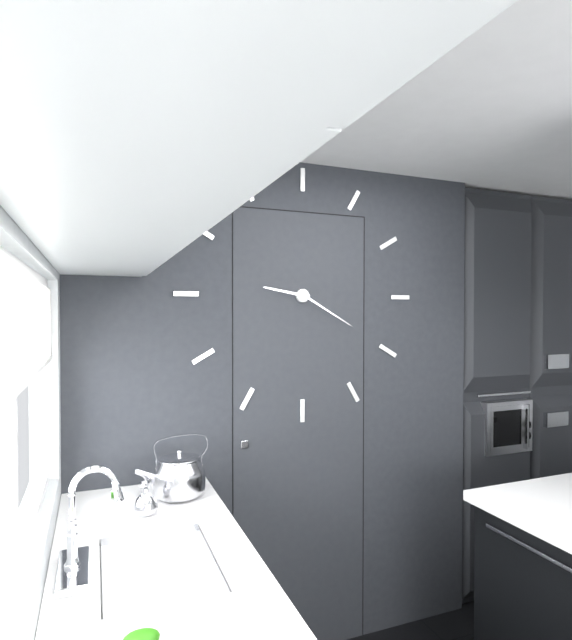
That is 9 h 20 min
